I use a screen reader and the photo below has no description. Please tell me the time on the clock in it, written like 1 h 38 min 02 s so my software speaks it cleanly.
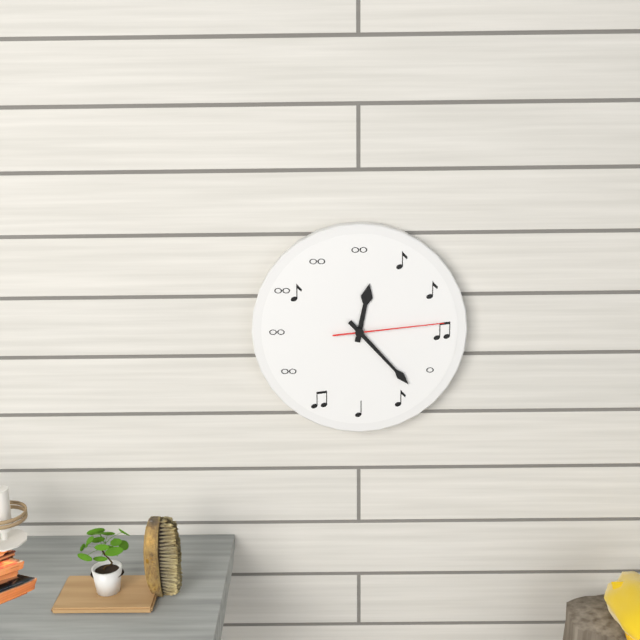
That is 12 h 23 min 14 s
